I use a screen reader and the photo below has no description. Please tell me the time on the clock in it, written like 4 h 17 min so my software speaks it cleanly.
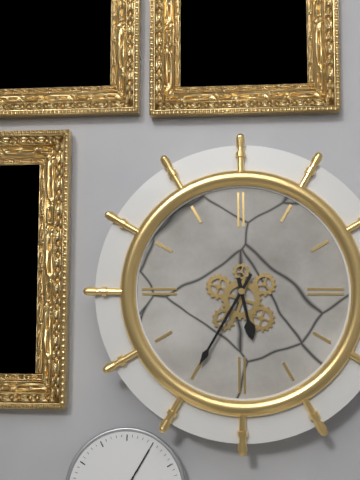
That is 5 h 35 min
